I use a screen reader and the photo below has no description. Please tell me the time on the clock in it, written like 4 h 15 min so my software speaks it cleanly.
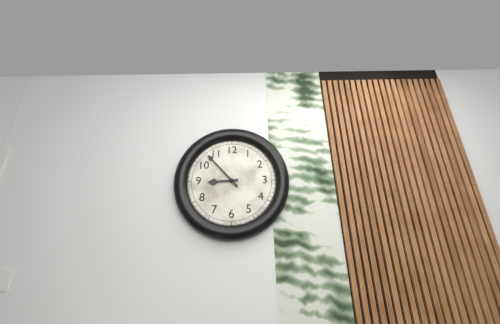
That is 8 h 53 min
